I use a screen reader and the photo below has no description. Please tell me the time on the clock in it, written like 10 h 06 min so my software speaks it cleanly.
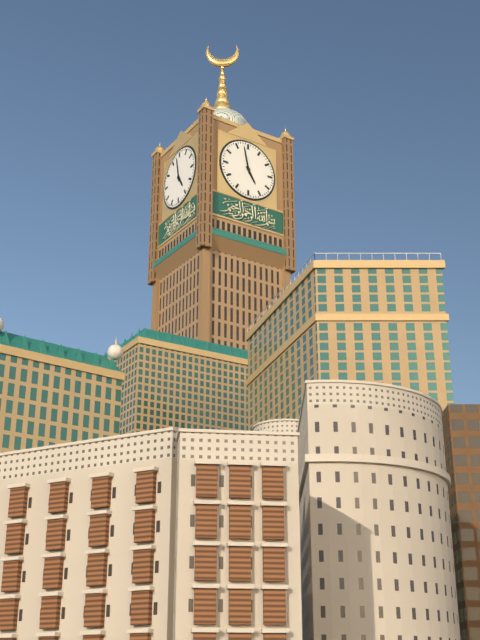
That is 4 h 58 min
